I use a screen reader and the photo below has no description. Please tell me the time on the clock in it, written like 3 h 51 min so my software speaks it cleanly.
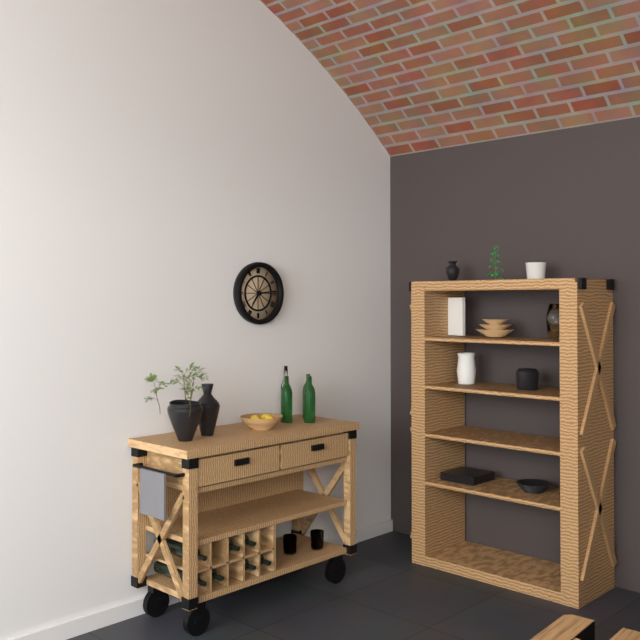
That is 7 h 14 min
